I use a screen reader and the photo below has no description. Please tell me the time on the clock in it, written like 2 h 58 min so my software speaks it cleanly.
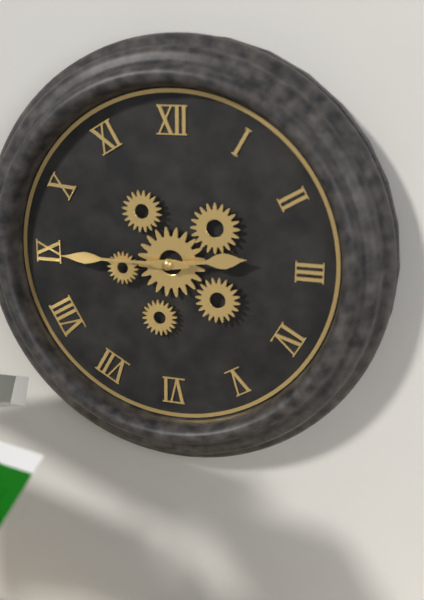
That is 2 h 45 min
